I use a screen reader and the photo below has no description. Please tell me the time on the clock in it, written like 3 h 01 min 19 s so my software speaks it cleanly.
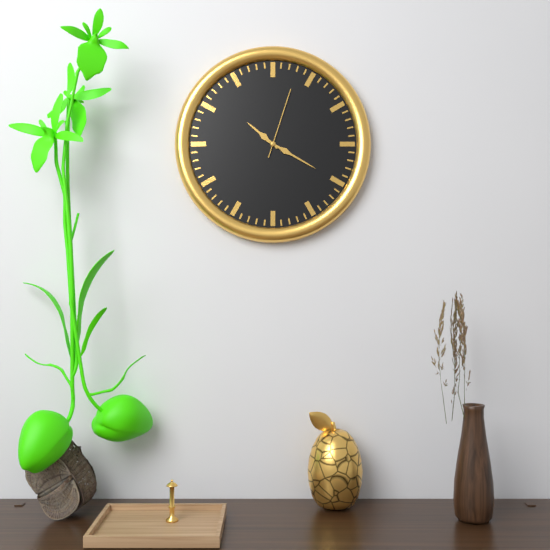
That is 10 h 20 min 03 s
